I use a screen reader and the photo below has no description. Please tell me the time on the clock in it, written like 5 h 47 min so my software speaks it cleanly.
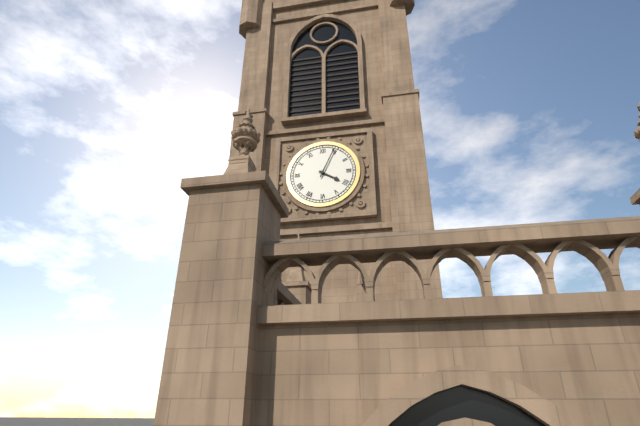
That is 4 h 04 min
